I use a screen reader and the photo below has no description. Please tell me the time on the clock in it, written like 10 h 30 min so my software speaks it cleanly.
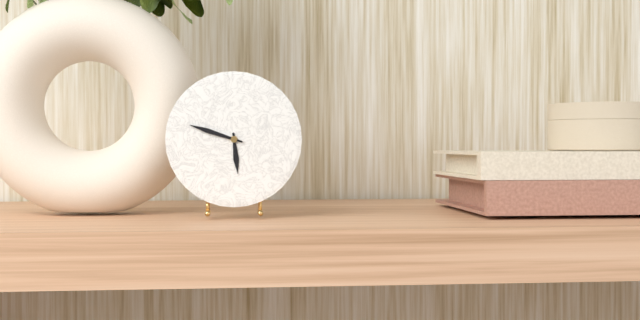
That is 5 h 48 min
